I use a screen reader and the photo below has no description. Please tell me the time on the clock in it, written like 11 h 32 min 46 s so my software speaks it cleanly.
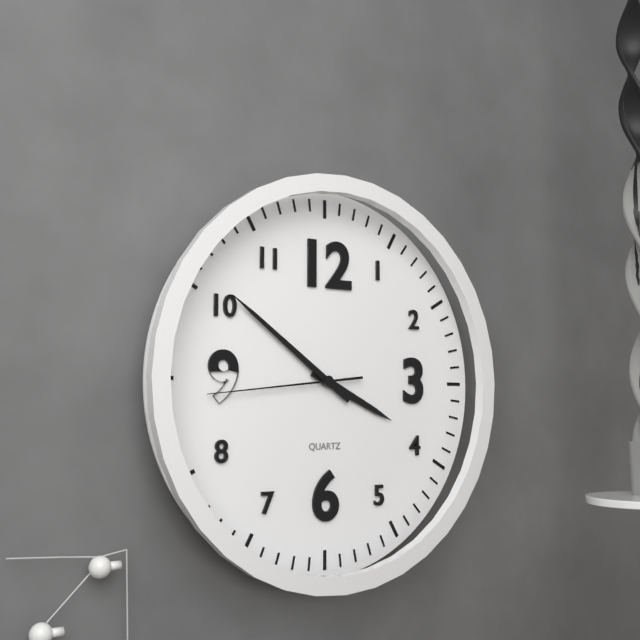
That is 3 h 51 min 44 s
